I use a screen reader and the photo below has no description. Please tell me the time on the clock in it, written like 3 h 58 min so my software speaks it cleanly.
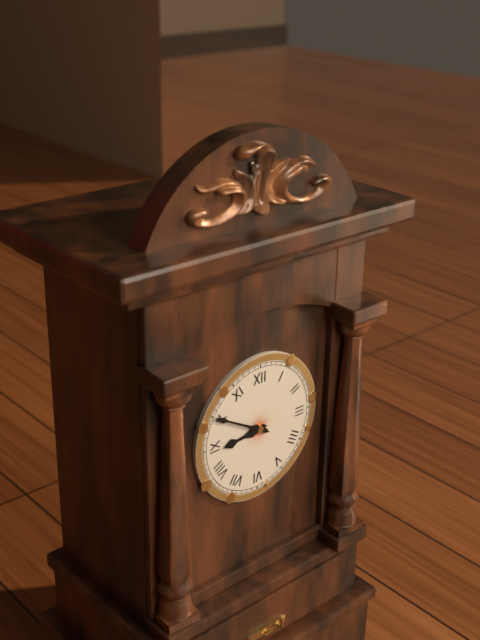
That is 8 h 50 min
